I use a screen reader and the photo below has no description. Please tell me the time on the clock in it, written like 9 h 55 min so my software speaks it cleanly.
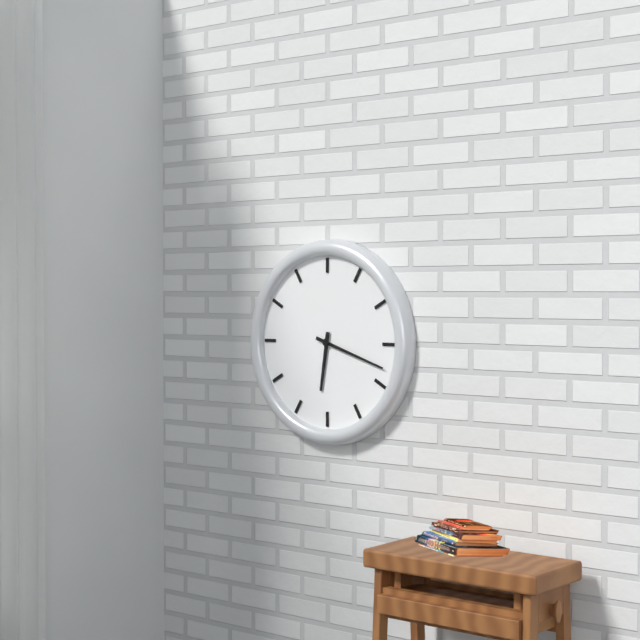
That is 6 h 18 min
